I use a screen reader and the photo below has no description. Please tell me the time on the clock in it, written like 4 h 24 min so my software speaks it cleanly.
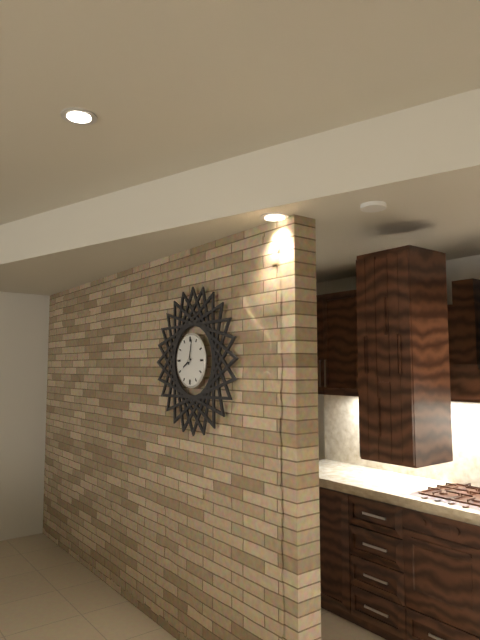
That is 8 h 02 min
